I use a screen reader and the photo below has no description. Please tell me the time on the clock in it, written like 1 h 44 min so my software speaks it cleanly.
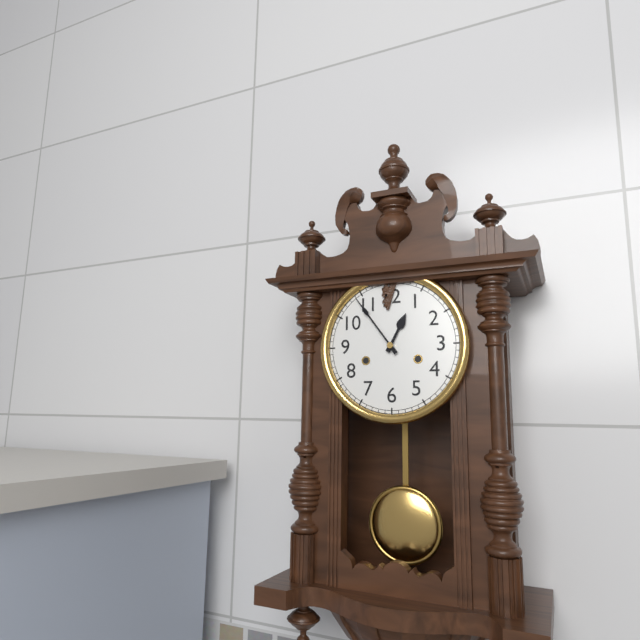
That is 12 h 54 min
